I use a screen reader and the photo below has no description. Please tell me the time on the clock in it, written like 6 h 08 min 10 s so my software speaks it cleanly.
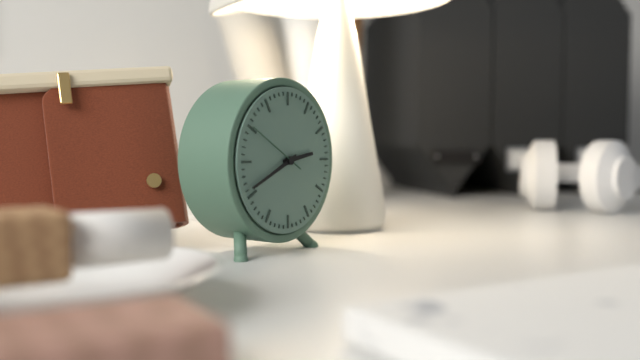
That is 2 h 41 min 50 s
